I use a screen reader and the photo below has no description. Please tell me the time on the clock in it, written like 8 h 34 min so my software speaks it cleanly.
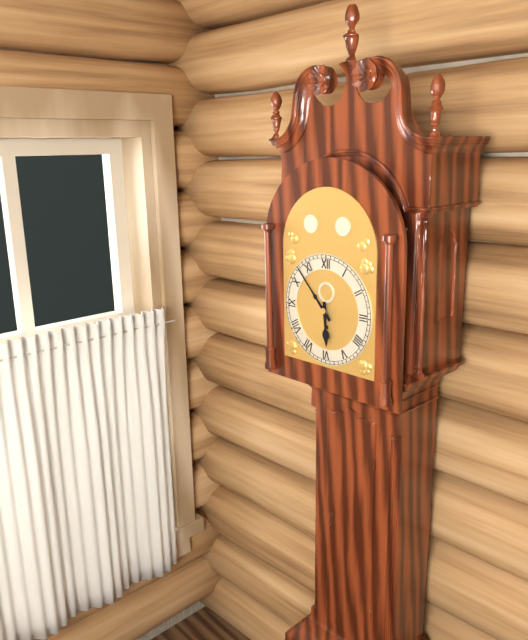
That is 5 h 53 min
